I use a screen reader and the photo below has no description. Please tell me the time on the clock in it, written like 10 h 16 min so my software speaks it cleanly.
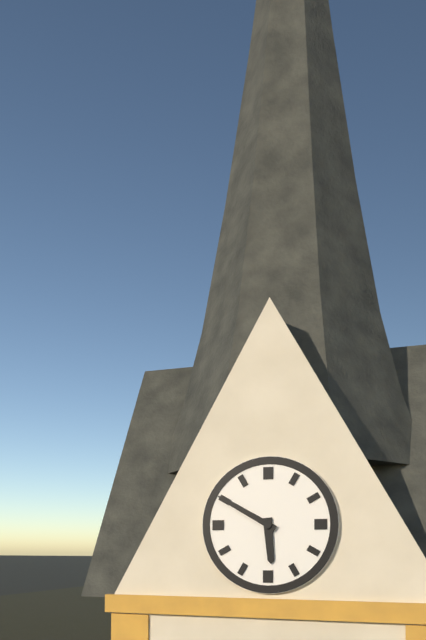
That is 5 h 50 min
